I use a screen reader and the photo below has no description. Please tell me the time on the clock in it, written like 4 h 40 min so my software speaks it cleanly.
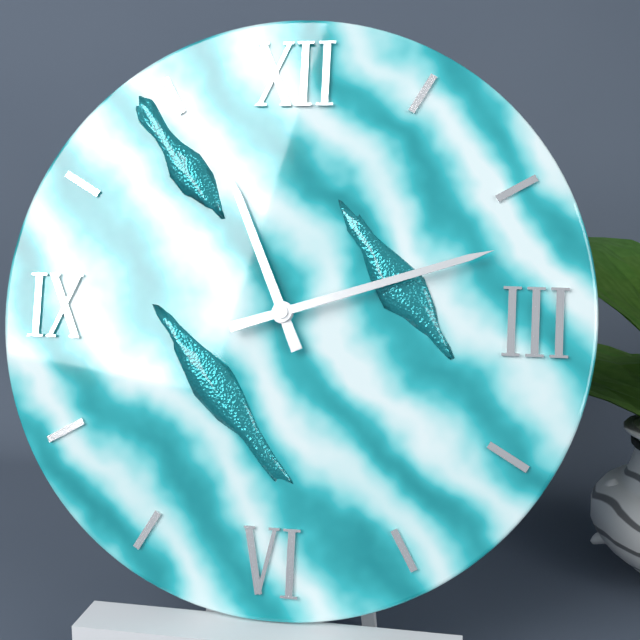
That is 11 h 12 min
